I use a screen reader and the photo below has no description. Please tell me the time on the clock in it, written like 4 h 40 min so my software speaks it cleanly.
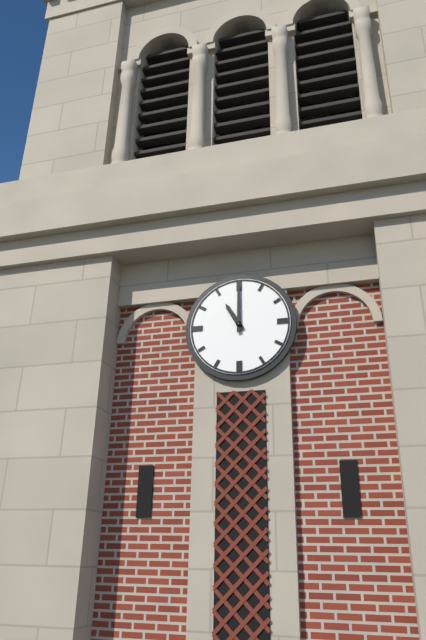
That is 11 h 00 min
